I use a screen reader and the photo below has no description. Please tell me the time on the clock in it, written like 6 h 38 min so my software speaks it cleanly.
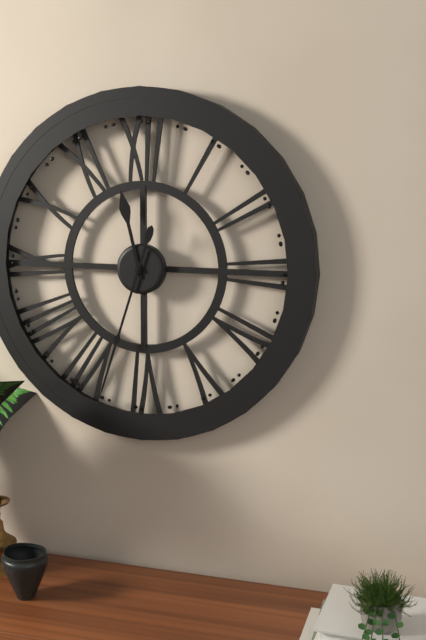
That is 11 h 33 min
